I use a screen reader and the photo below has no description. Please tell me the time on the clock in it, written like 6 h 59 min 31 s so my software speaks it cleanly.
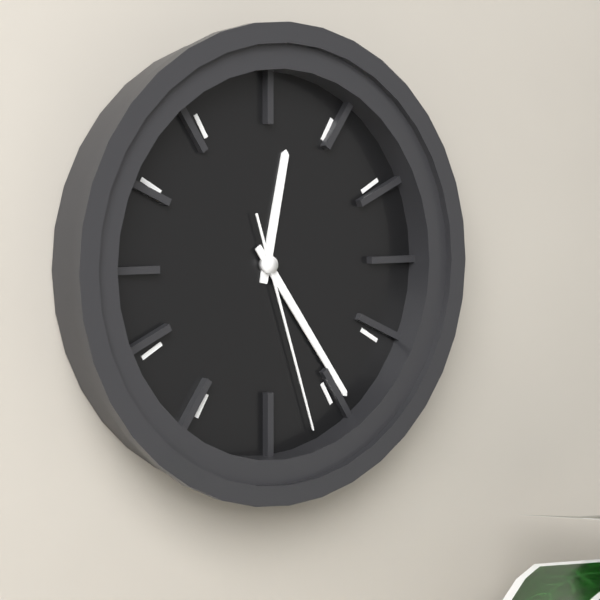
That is 12 h 24 min 27 s
